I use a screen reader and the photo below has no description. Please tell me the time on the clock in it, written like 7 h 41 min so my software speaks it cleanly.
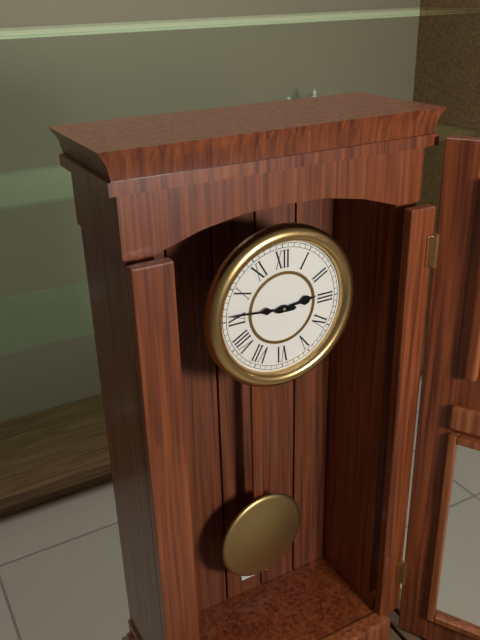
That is 2 h 46 min
